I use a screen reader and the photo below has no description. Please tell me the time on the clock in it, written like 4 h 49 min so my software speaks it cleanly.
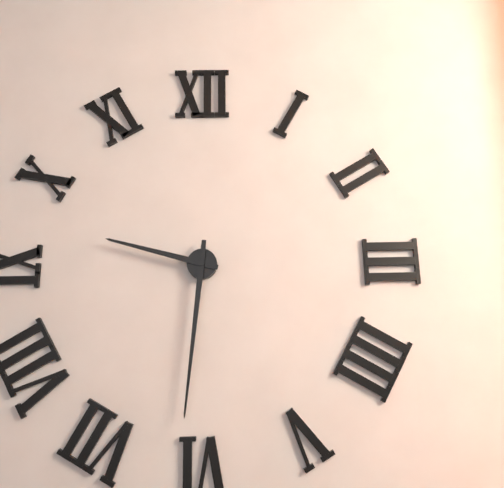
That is 9 h 31 min
